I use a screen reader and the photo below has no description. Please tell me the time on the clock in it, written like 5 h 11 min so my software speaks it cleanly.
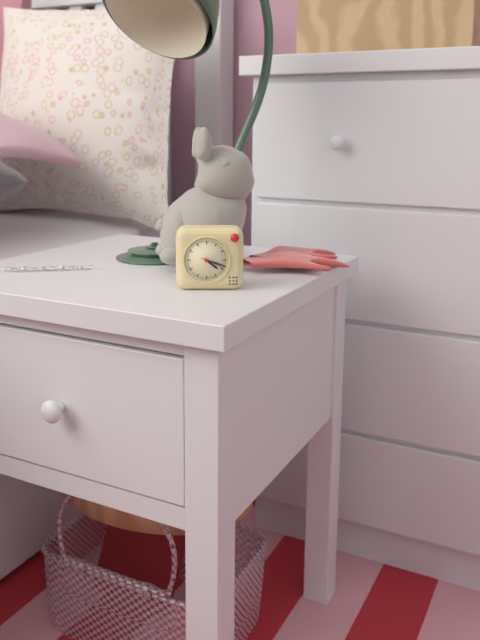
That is 4 h 18 min
